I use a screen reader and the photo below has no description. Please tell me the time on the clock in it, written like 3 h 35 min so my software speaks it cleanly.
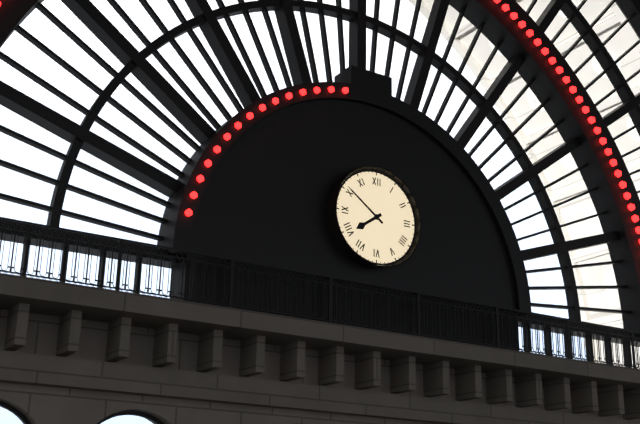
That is 7 h 51 min
